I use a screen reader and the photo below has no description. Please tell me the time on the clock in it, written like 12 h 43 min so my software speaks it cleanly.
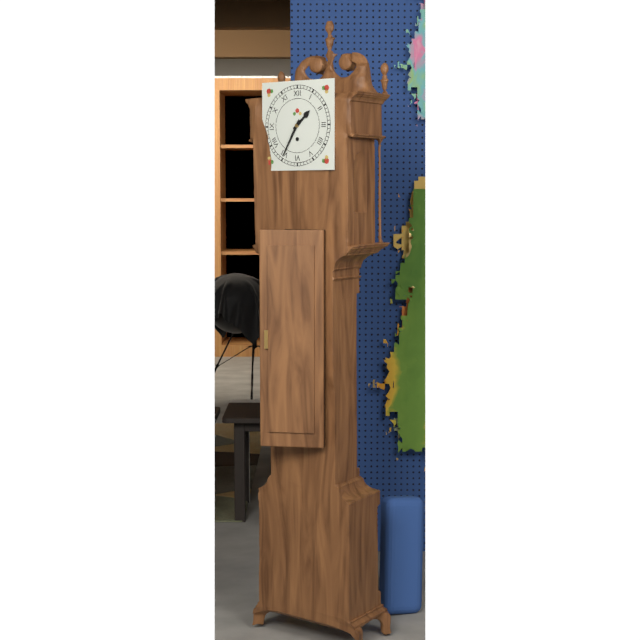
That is 1 h 35 min
